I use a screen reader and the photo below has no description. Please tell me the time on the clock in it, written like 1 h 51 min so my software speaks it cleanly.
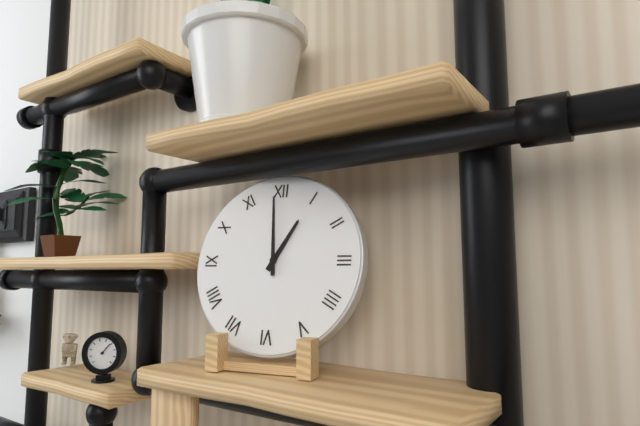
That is 12 h 59 min
